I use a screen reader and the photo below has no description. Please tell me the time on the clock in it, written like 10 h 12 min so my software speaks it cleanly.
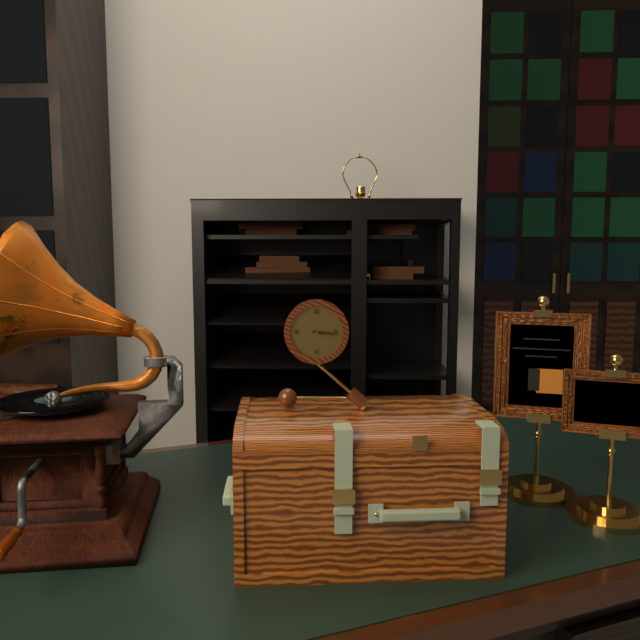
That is 3 h 16 min
